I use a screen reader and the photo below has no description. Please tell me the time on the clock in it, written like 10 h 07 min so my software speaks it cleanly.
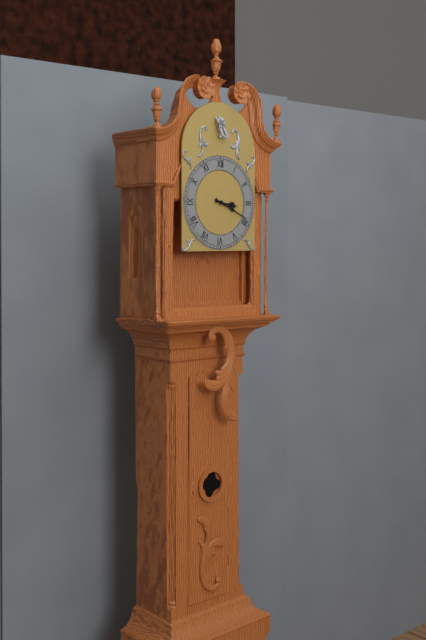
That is 3 h 19 min
